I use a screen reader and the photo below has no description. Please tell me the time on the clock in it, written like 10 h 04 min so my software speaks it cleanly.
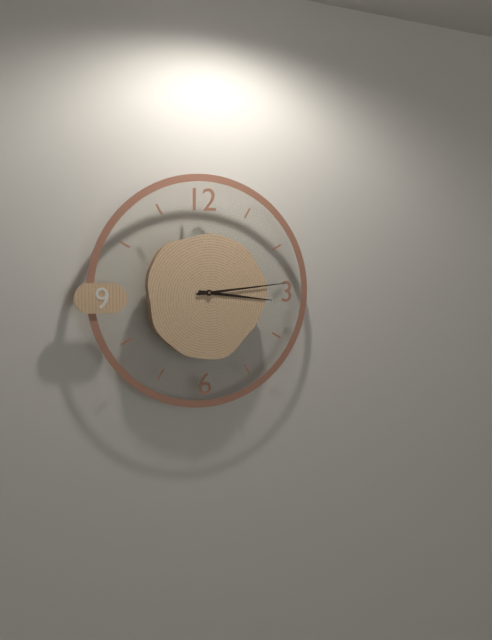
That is 3 h 14 min
